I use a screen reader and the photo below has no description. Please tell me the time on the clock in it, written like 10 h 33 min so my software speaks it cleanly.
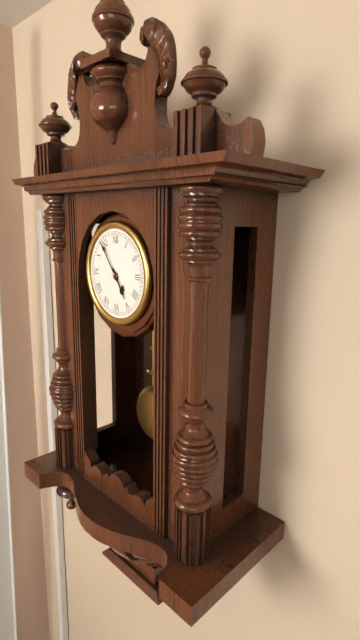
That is 4 h 54 min
